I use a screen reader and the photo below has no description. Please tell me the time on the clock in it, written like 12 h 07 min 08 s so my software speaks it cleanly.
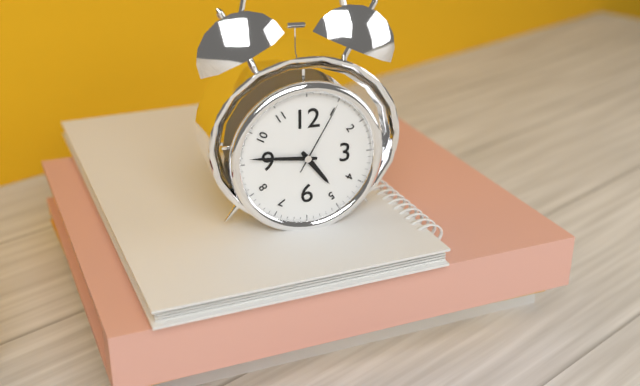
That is 4 h 46 min 05 s
